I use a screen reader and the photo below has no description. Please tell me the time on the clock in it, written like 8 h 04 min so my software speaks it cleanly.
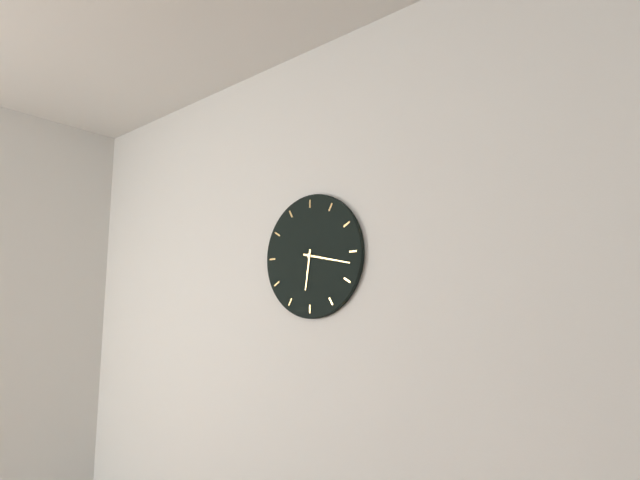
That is 6 h 17 min
